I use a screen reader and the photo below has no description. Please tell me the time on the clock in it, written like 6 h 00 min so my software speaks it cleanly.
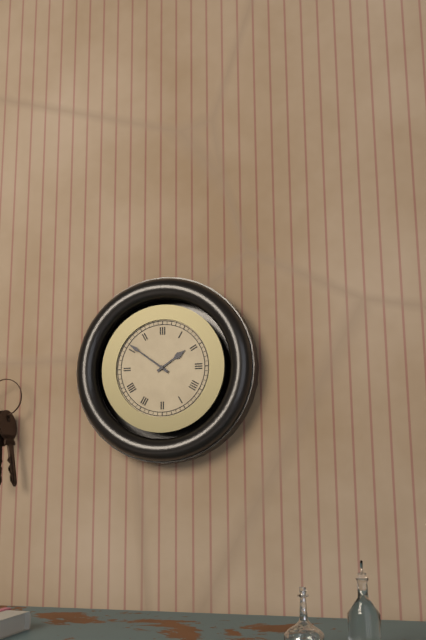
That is 1 h 51 min
